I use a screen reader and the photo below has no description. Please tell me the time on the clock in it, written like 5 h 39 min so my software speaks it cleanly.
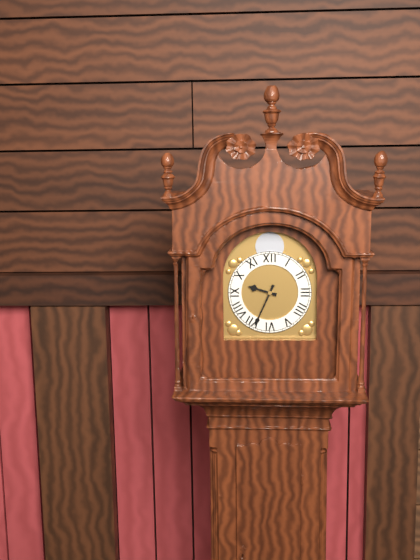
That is 9 h 34 min
